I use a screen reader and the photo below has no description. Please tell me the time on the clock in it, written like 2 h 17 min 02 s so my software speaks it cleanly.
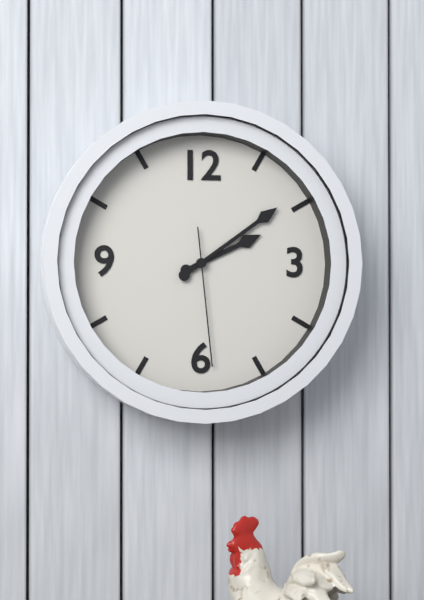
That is 2 h 09 min 29 s
